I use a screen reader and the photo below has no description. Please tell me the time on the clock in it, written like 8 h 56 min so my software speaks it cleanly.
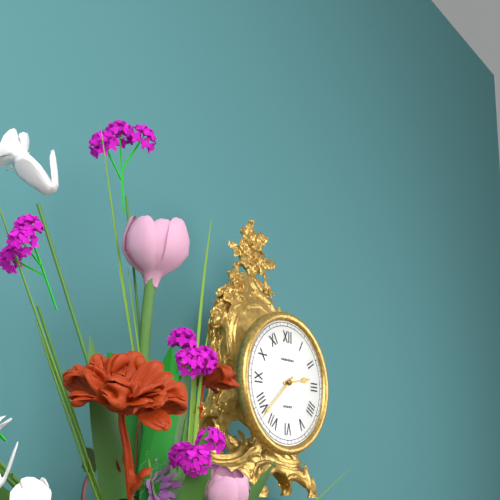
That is 2 h 38 min
